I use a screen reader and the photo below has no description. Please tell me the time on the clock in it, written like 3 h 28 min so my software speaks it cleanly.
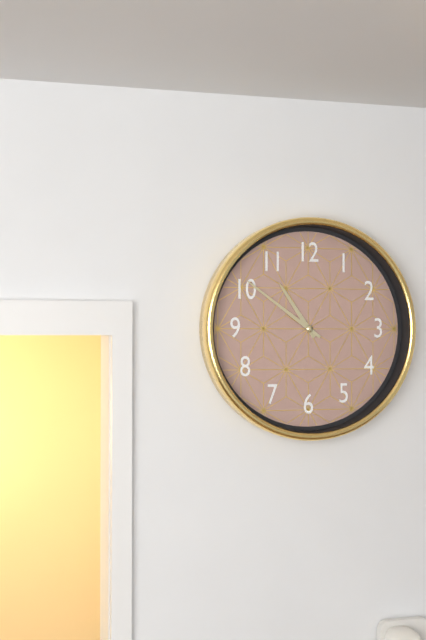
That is 10 h 51 min
